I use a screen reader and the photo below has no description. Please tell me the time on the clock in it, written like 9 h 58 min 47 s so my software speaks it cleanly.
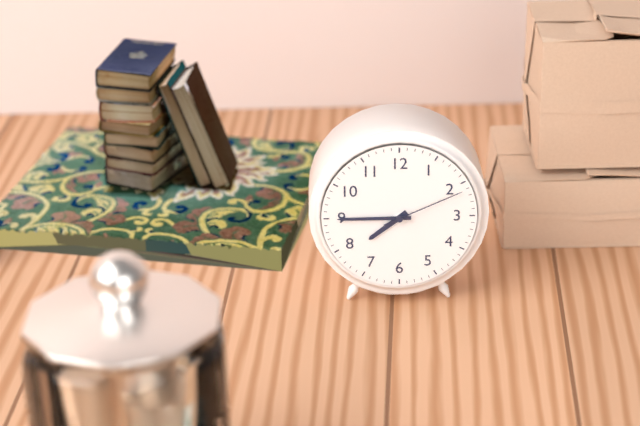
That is 7 h 45 min 11 s
